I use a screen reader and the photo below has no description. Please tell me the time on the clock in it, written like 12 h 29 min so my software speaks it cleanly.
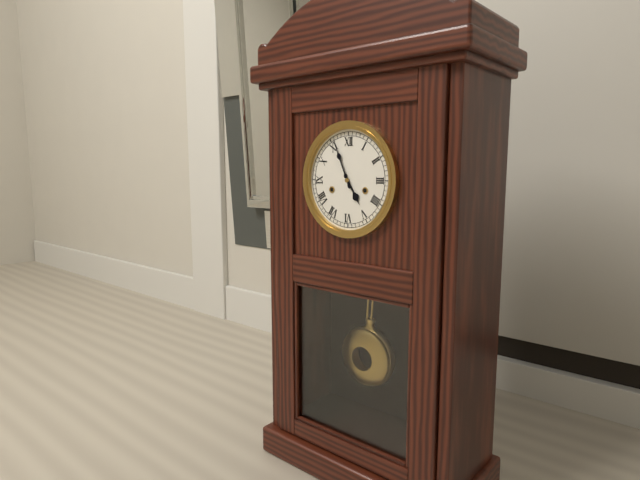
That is 4 h 56 min
